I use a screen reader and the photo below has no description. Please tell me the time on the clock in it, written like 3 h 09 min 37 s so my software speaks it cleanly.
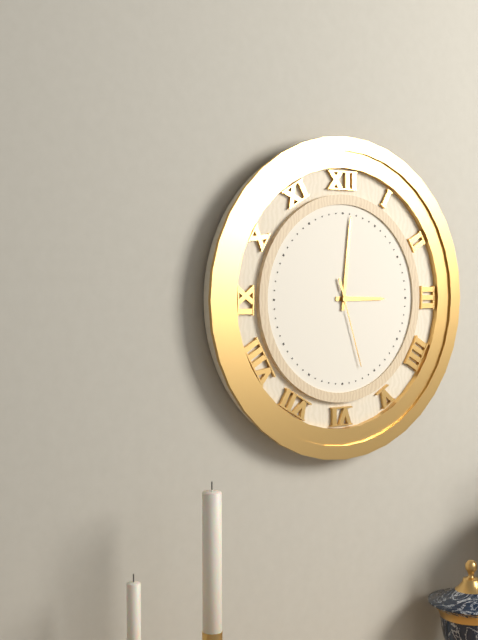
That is 3 h 01 min 27 s
